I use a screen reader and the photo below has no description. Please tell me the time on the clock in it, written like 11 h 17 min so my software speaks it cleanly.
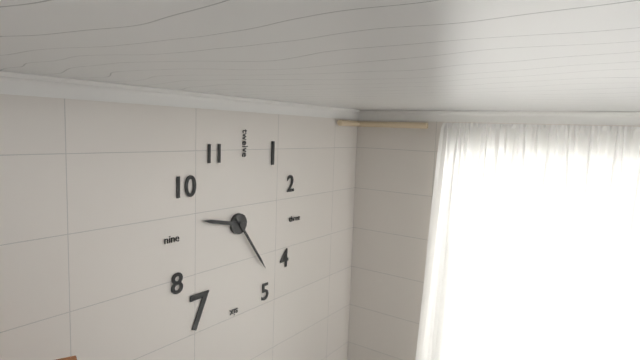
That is 9 h 24 min
